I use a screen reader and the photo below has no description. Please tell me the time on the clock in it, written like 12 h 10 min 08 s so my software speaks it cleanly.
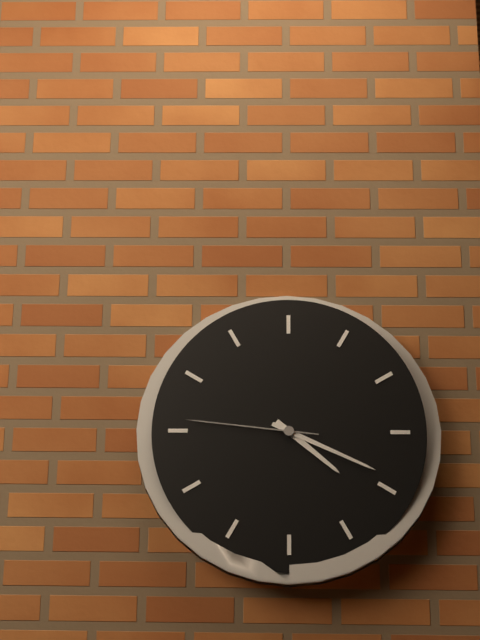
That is 4 h 19 min 46 s
